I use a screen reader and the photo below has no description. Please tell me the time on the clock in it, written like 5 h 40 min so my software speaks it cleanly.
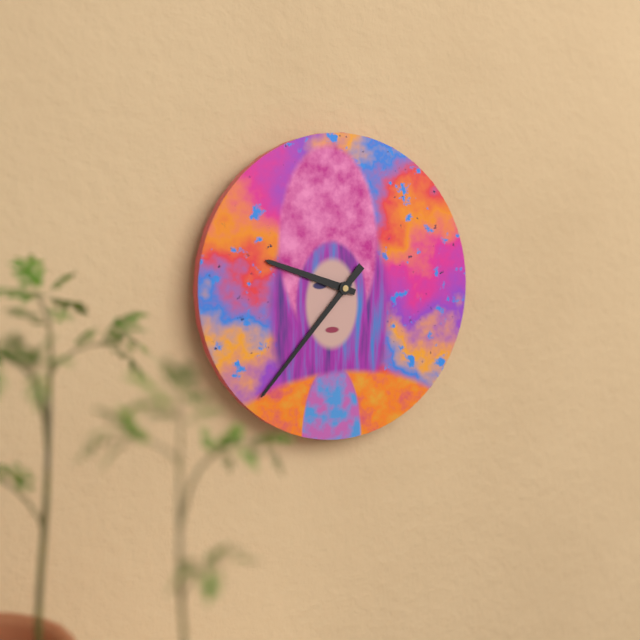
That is 9 h 37 min
